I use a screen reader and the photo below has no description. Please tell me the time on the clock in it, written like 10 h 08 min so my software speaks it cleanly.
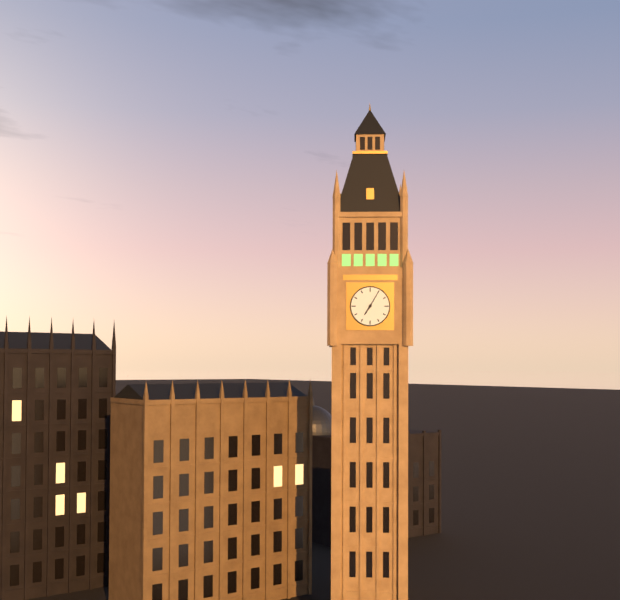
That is 7 h 05 min
